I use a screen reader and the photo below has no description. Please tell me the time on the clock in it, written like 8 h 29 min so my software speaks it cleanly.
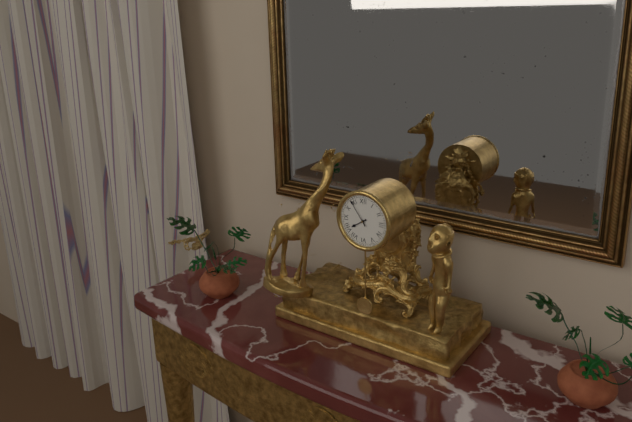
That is 7 h 54 min
